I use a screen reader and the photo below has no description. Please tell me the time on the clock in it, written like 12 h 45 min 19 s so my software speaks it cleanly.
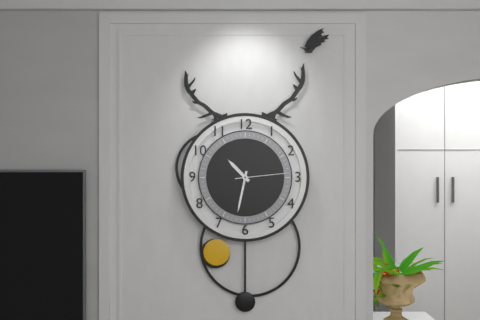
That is 10 h 32 min 14 s
